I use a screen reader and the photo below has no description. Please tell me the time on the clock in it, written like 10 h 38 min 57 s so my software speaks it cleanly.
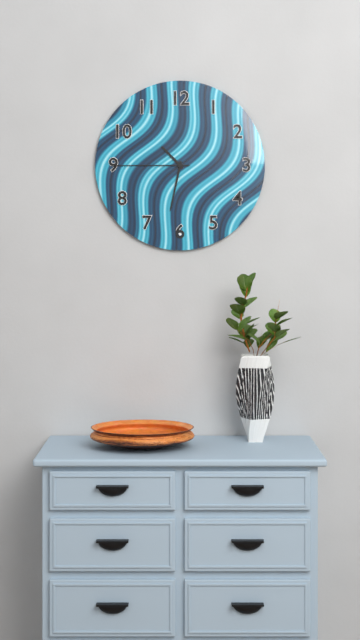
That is 10 h 32 min 45 s
